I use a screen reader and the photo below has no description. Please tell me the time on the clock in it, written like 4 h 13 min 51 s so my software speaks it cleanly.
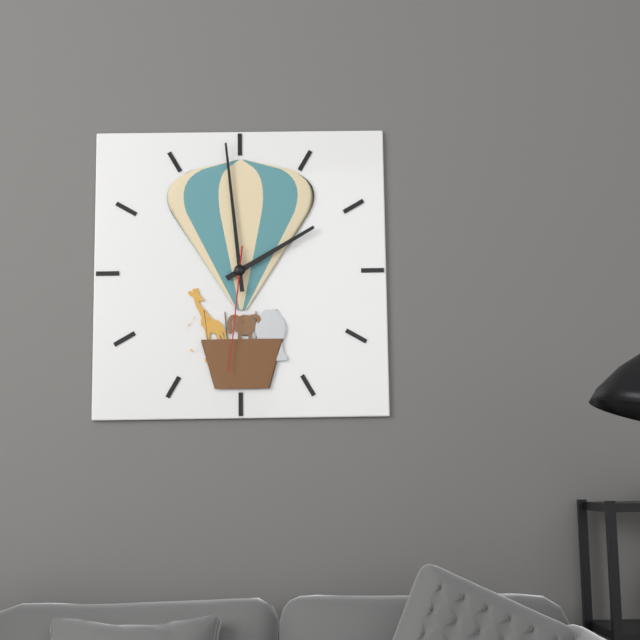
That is 1 h 59 min 31 s
